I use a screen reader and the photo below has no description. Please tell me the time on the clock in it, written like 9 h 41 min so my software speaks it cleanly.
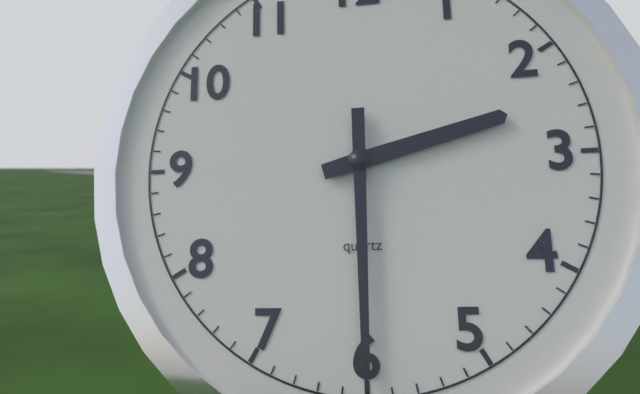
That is 2 h 30 min
